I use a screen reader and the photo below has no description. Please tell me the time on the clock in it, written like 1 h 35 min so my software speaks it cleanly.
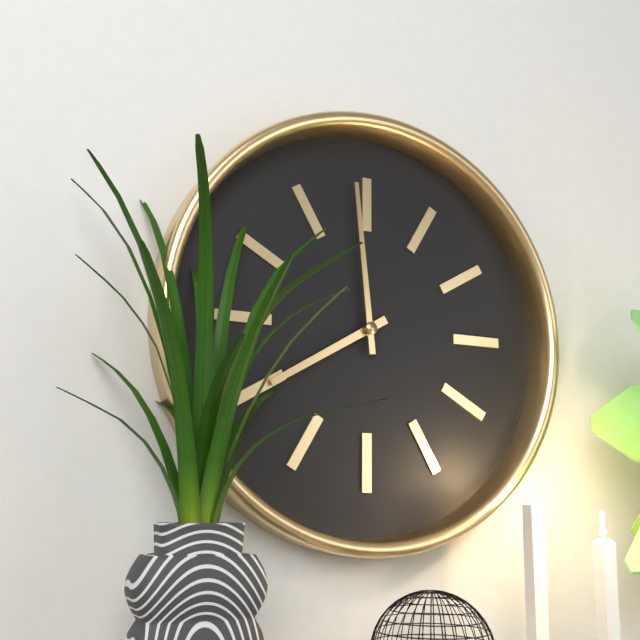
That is 7 h 59 min
